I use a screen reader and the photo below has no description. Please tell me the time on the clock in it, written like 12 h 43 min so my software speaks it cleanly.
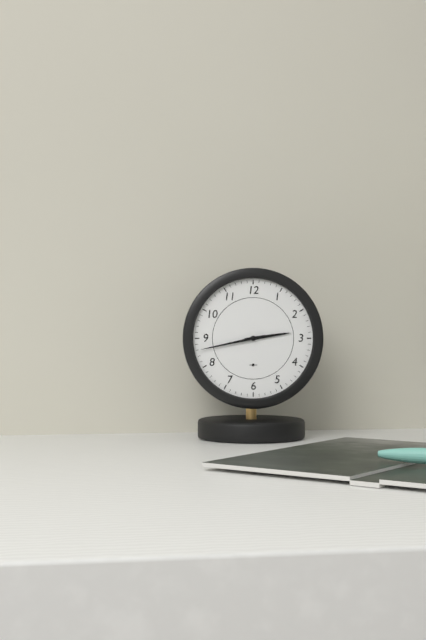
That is 2 h 43 min
